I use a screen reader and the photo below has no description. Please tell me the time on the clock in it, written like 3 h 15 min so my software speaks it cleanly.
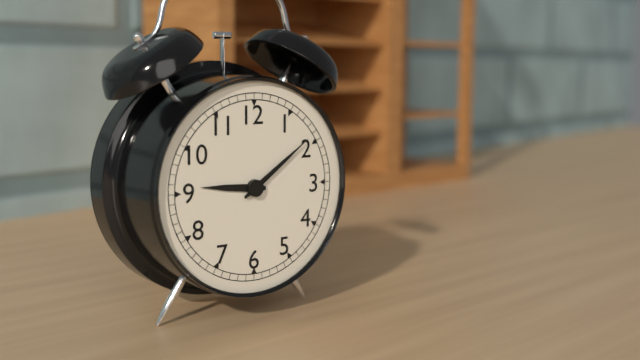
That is 9 h 09 min
